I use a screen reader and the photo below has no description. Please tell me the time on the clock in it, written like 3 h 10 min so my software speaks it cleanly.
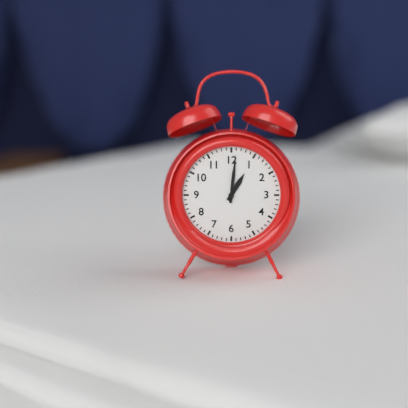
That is 1 h 01 min
